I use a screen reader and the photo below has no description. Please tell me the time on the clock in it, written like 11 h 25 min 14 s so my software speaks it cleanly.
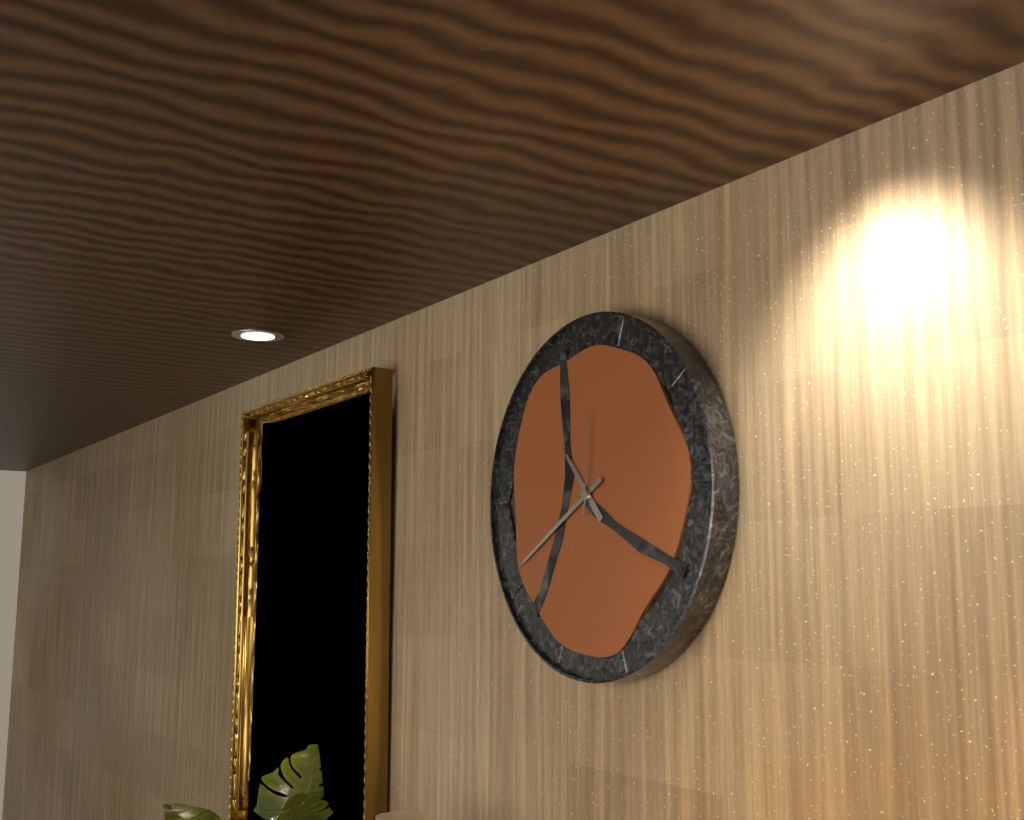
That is 10 h 40 min 01 s
